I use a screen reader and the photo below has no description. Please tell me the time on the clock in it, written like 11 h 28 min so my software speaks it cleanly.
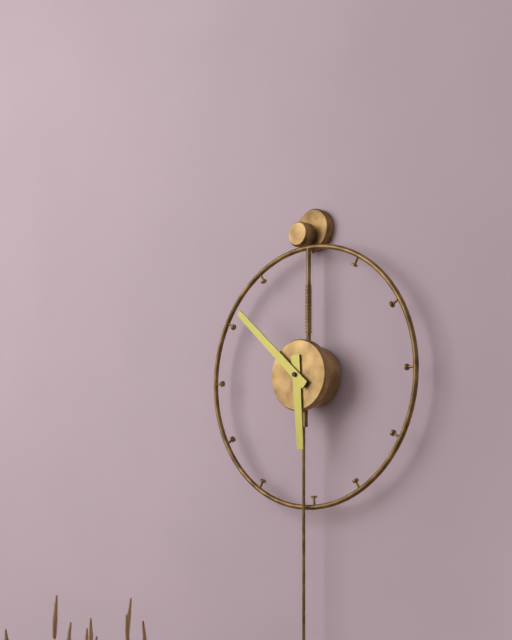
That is 5 h 52 min
